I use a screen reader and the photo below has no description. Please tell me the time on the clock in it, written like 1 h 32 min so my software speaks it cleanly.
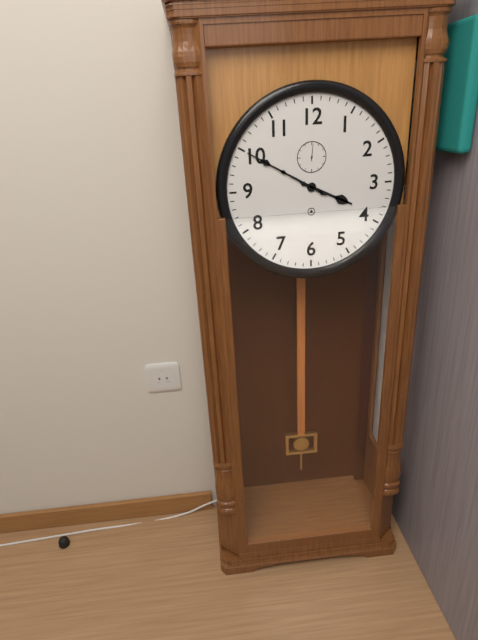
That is 3 h 50 min
